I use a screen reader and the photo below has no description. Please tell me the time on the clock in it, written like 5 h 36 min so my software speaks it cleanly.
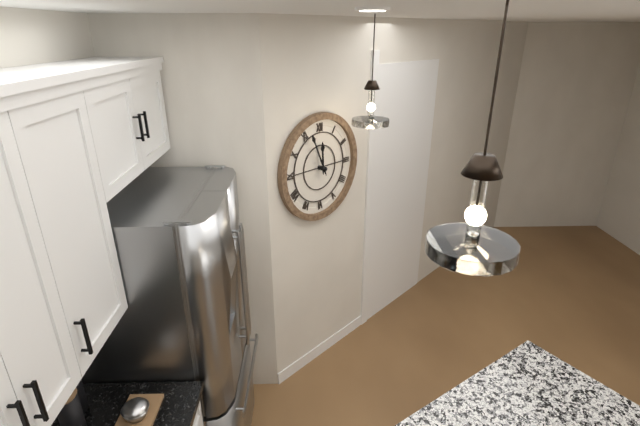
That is 11 h 56 min
